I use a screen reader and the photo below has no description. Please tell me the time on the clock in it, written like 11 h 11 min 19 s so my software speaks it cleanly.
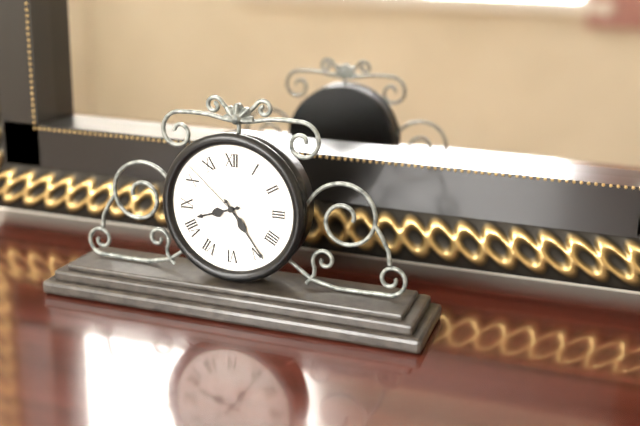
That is 8 h 24 min 52 s
